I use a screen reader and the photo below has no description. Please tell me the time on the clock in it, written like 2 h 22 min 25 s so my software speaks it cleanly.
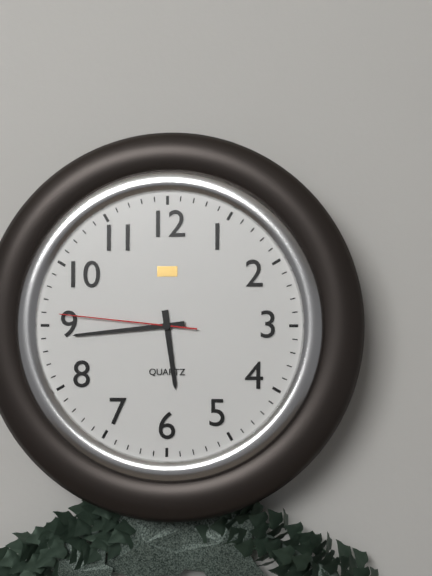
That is 5 h 44 min 46 s
